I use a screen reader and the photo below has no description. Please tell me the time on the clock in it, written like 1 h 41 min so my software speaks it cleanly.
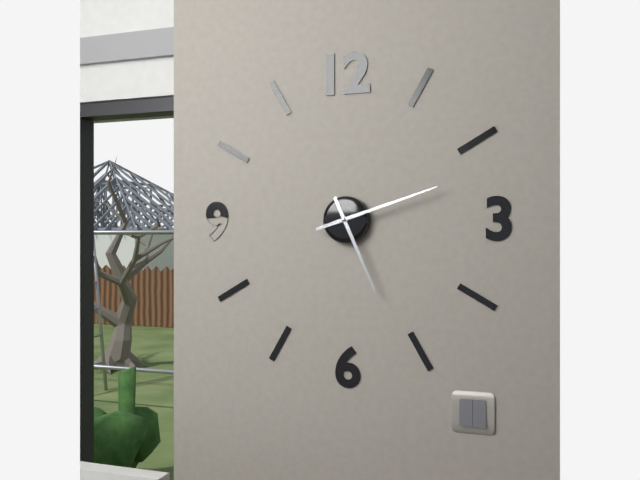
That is 5 h 12 min
